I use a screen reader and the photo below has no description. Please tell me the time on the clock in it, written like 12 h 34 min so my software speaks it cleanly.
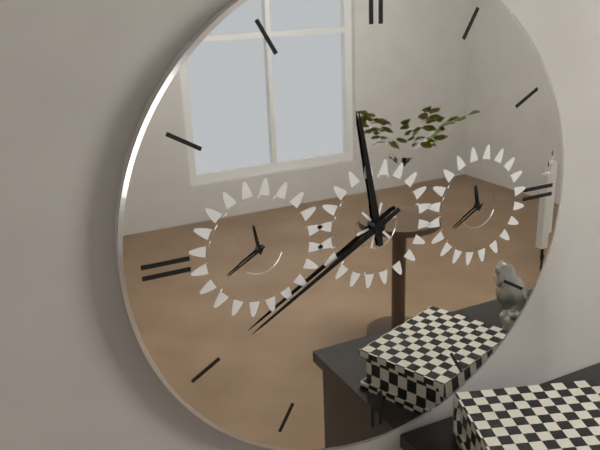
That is 11 h 40 min
